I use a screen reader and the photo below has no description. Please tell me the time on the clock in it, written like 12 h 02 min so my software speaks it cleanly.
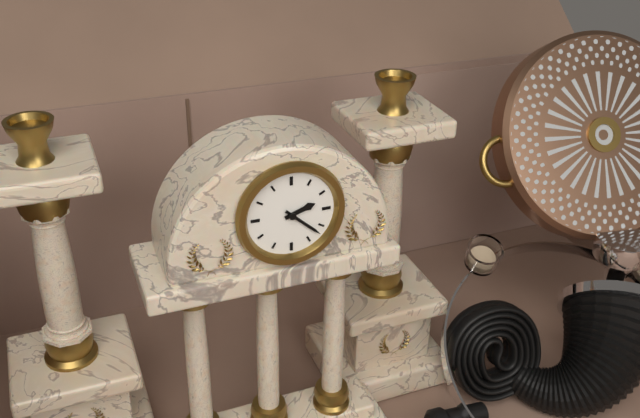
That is 2 h 22 min
